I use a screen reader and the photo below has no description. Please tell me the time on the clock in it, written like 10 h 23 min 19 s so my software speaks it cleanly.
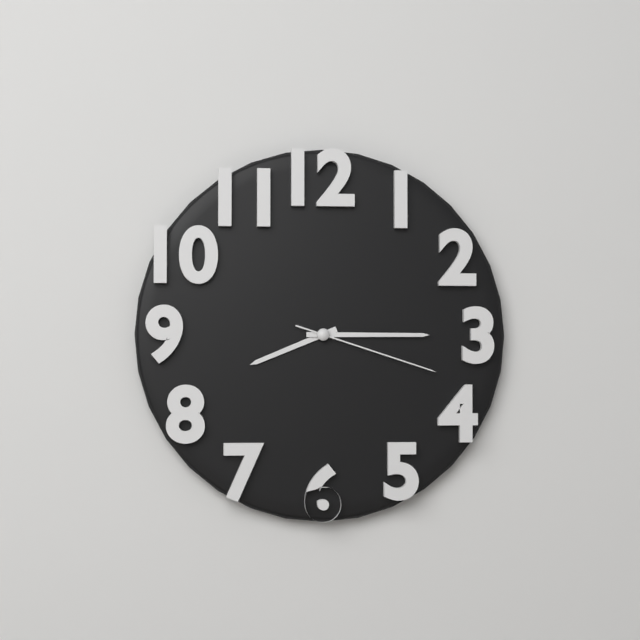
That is 8 h 15 min 18 s
